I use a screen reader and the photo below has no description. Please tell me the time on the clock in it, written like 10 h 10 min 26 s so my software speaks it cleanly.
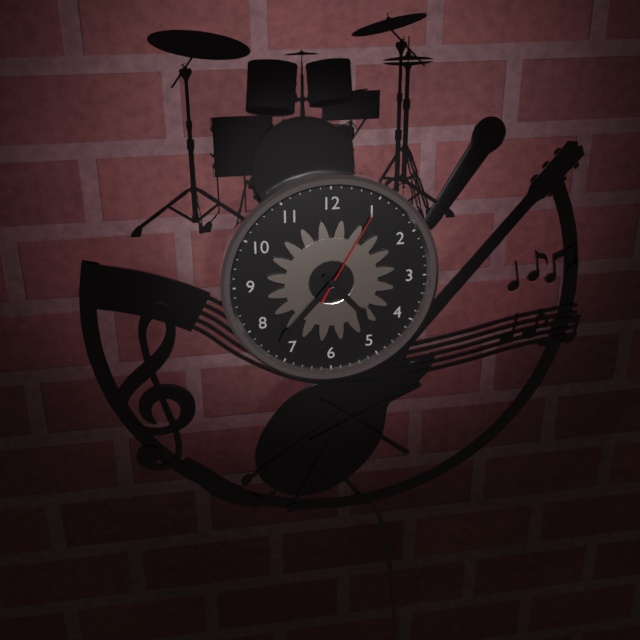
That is 4 h 37 min 05 s
